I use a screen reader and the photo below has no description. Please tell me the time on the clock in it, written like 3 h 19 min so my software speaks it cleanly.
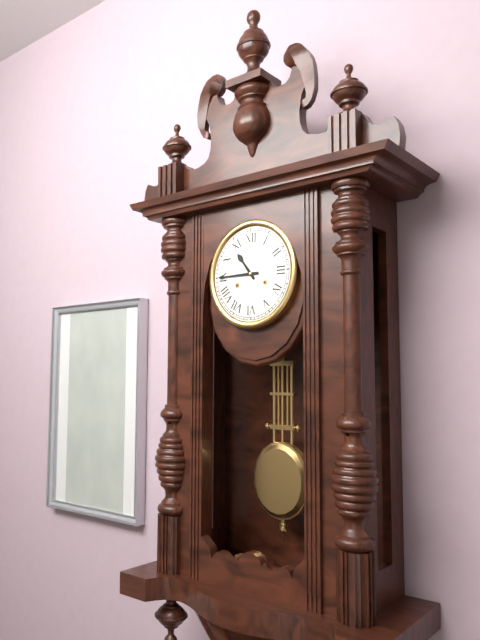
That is 10 h 45 min
